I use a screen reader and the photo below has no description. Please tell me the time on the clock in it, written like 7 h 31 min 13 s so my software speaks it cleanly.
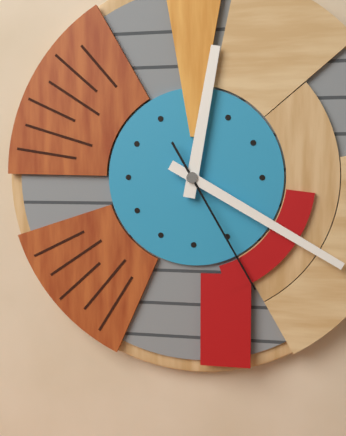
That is 12 h 20 min 25 s
